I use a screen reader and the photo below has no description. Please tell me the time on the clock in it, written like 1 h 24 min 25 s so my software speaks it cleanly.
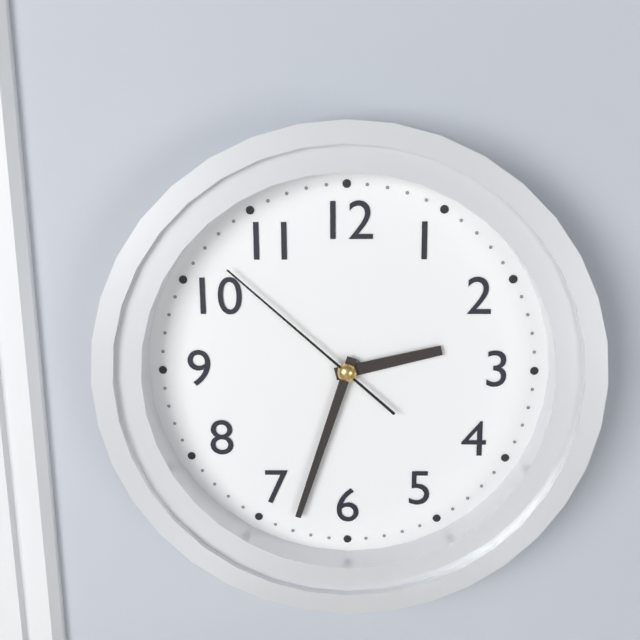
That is 2 h 33 min 52 s
